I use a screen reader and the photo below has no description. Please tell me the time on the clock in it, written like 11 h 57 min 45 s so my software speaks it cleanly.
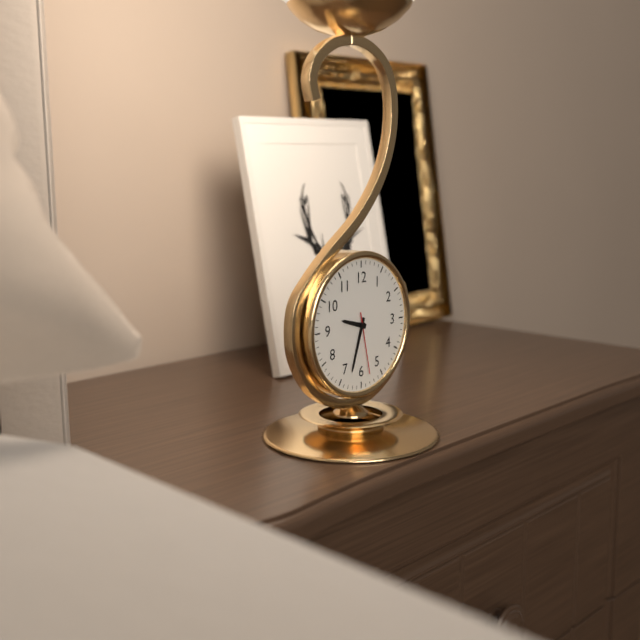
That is 9 h 33 min 28 s
